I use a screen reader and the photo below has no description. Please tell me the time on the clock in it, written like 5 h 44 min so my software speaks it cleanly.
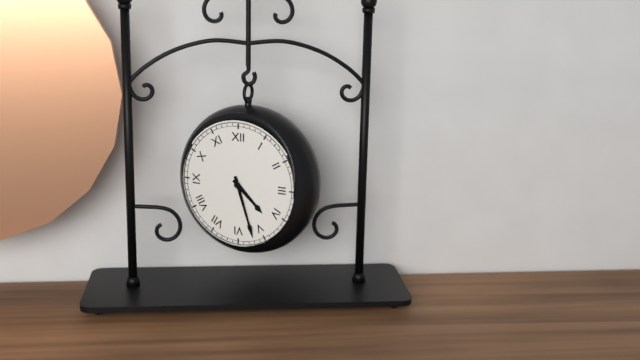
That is 4 h 27 min
